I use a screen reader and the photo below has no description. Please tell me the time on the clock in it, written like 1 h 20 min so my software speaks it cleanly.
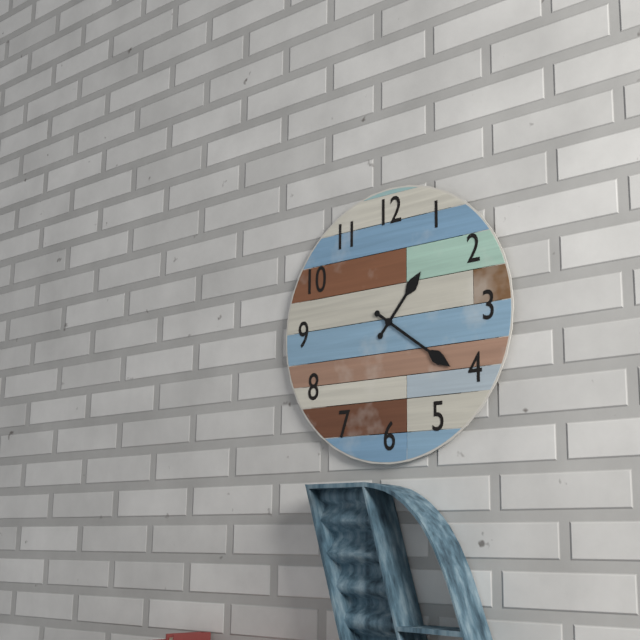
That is 1 h 21 min
